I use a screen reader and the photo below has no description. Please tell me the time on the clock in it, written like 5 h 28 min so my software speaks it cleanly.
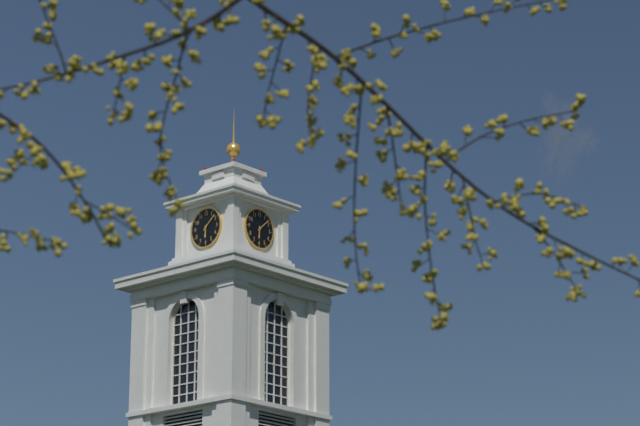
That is 6 h 08 min
